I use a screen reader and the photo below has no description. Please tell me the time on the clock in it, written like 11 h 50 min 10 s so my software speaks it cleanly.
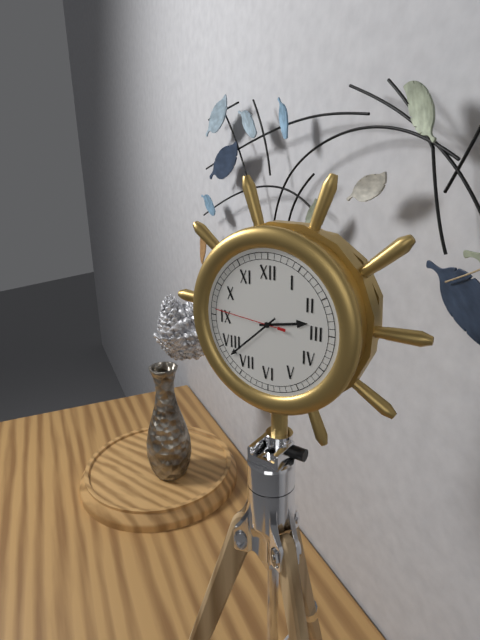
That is 2 h 38 min 46 s
